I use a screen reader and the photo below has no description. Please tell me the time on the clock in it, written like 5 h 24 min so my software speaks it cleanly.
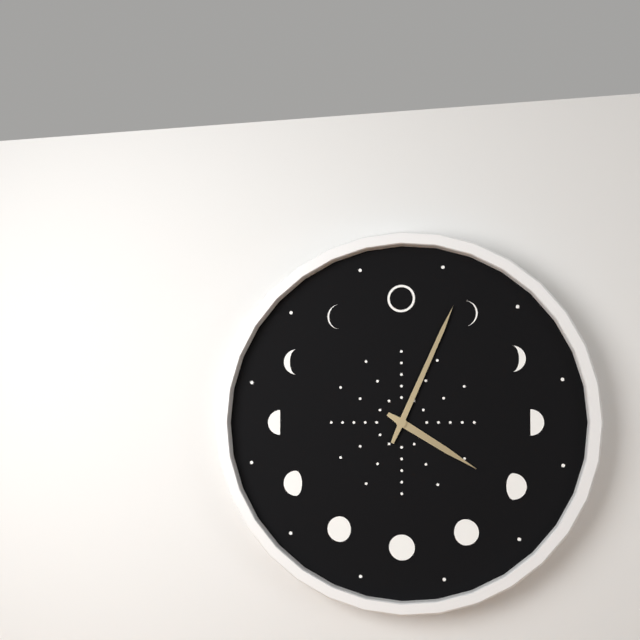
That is 4 h 04 min
